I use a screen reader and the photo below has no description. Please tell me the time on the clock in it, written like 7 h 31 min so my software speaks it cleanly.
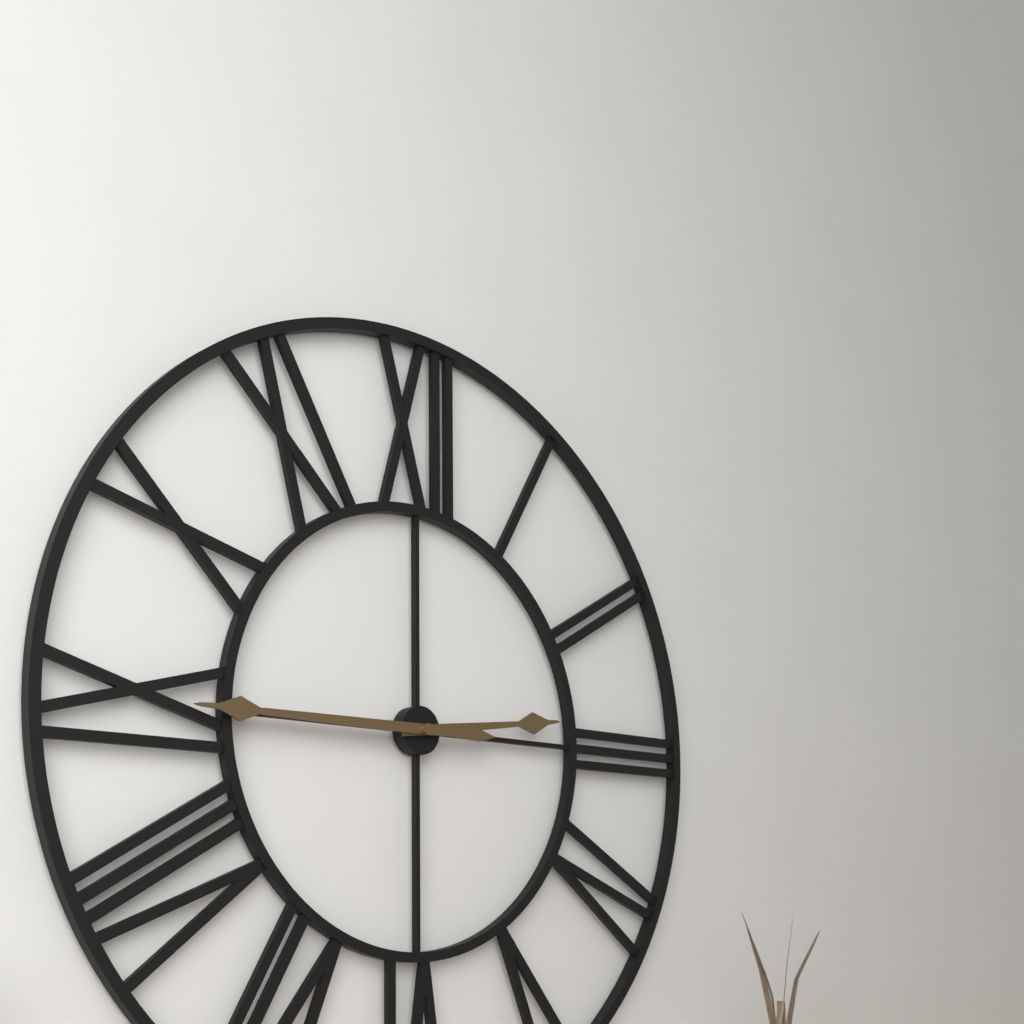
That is 2 h 45 min
